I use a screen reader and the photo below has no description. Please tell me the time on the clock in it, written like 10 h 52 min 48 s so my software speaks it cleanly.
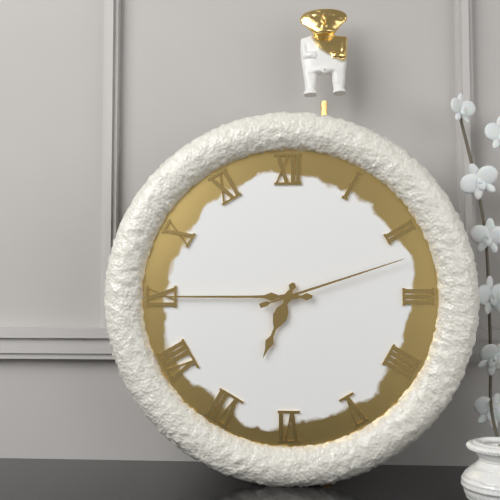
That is 6 h 45 min 12 s
